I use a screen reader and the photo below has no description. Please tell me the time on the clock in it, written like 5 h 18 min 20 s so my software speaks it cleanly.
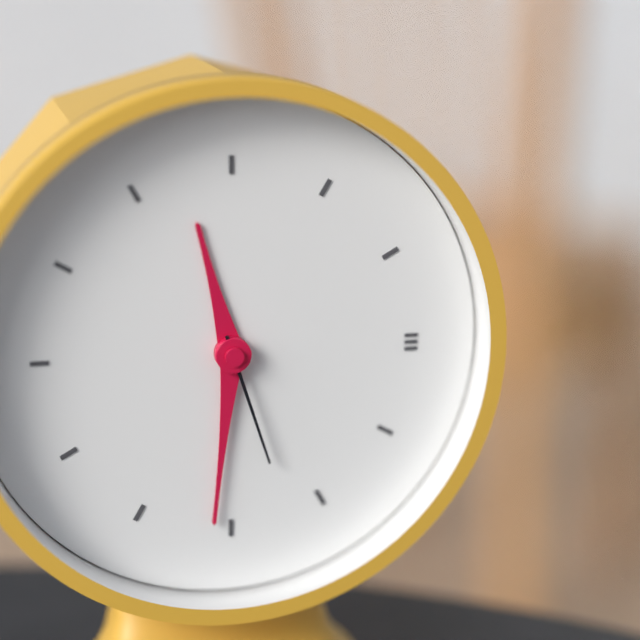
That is 11 h 31 min 27 s
